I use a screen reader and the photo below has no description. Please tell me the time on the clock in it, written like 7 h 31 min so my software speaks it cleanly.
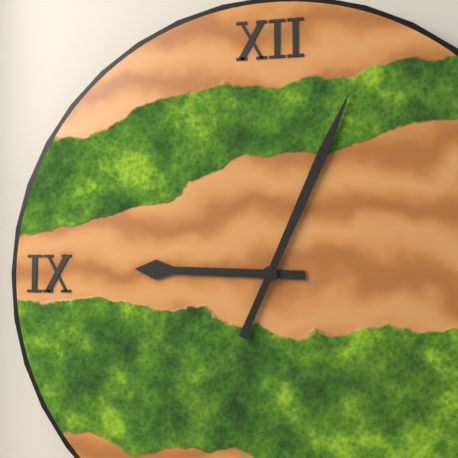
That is 9 h 04 min
